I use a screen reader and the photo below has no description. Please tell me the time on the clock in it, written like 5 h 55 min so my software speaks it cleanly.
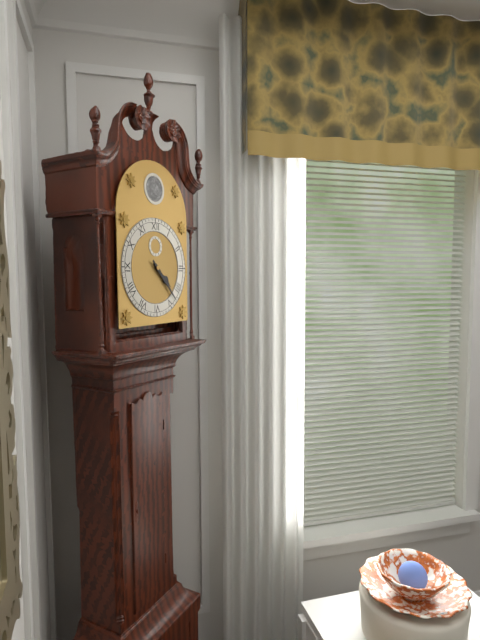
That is 4 h 23 min
